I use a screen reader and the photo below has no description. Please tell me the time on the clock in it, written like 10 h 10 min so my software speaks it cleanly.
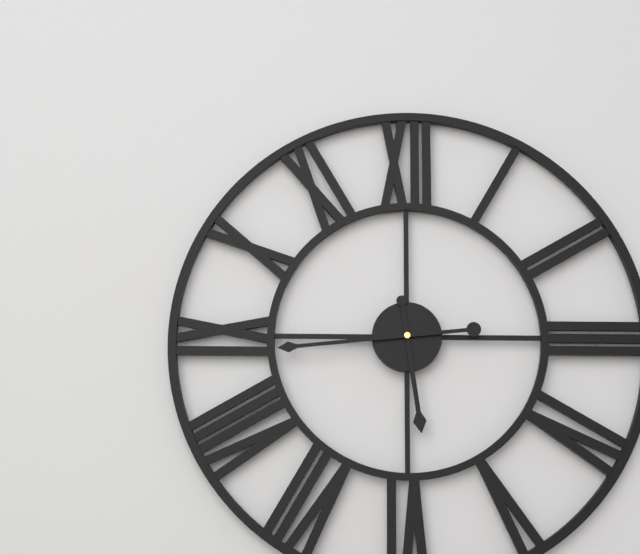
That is 5 h 44 min
